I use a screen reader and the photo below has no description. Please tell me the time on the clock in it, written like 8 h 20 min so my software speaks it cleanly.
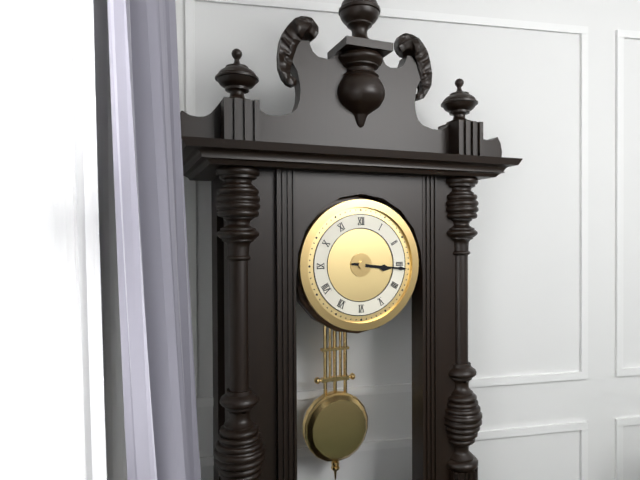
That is 3 h 16 min
